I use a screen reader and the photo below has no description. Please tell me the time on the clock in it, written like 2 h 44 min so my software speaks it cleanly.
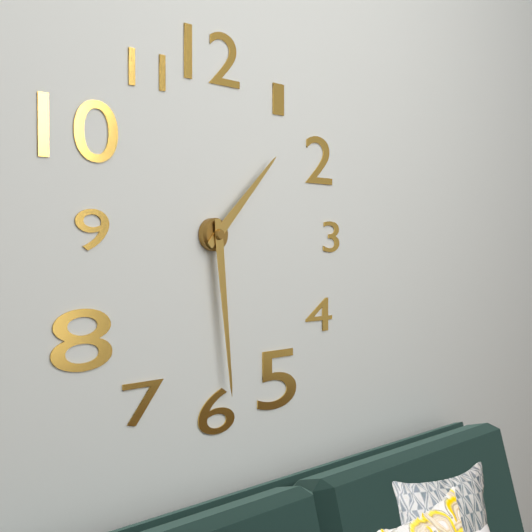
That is 1 h 29 min
